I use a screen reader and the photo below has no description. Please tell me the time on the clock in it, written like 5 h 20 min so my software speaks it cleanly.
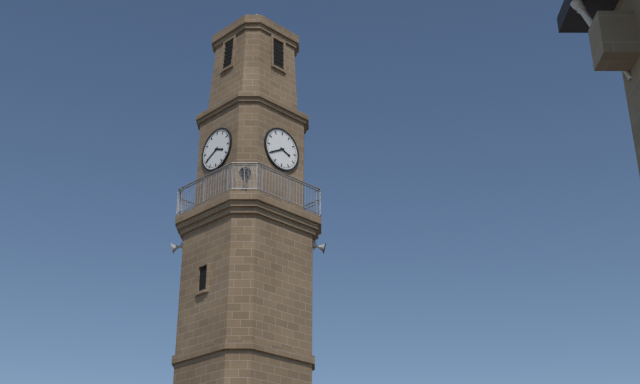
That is 3 h 40 min
